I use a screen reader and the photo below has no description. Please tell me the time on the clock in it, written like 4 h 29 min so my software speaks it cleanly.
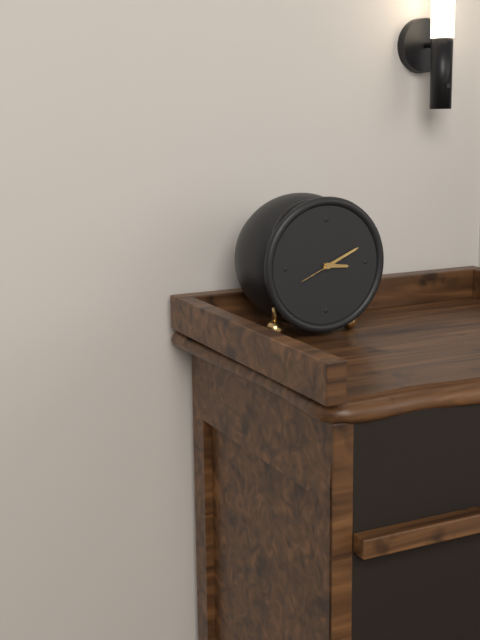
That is 3 h 11 min
